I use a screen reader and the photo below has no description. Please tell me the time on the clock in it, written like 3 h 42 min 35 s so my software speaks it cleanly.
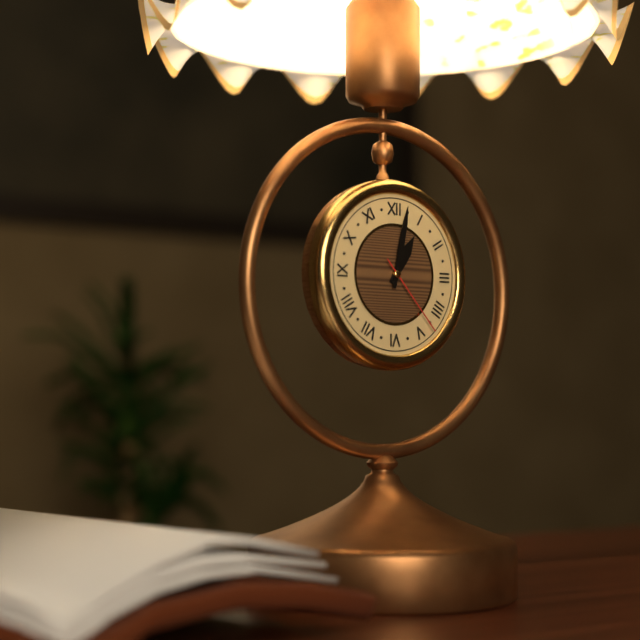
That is 1 h 02 min 23 s
